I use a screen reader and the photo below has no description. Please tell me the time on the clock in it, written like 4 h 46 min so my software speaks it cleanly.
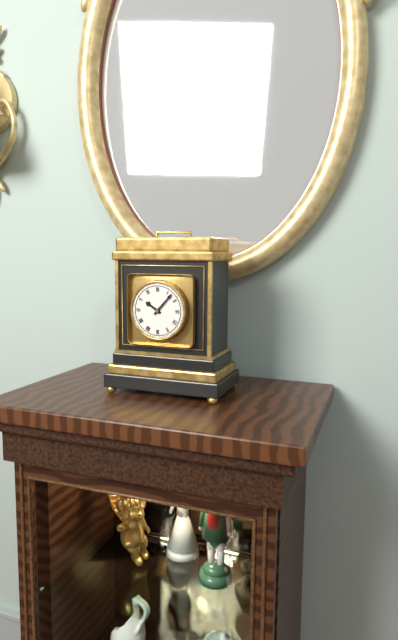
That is 10 h 07 min
